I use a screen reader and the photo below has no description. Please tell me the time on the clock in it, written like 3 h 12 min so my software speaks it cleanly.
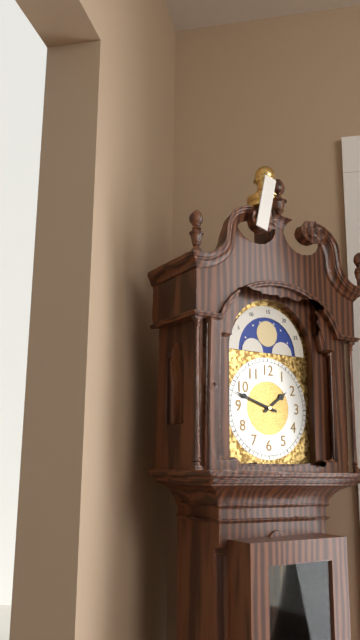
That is 1 h 48 min
